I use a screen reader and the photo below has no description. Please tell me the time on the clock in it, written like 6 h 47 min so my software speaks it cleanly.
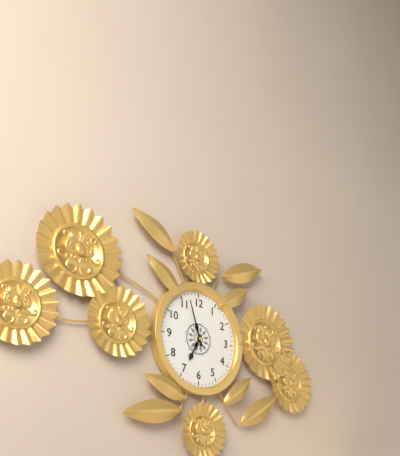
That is 6 h 57 min
